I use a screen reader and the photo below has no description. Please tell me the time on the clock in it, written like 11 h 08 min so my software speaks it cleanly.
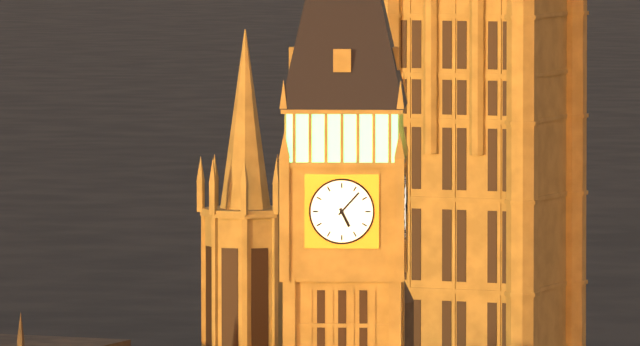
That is 5 h 07 min
